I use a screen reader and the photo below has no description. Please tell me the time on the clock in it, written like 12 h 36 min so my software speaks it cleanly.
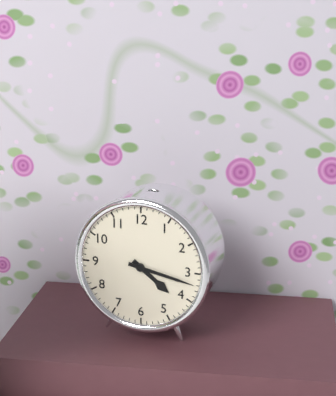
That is 4 h 17 min
